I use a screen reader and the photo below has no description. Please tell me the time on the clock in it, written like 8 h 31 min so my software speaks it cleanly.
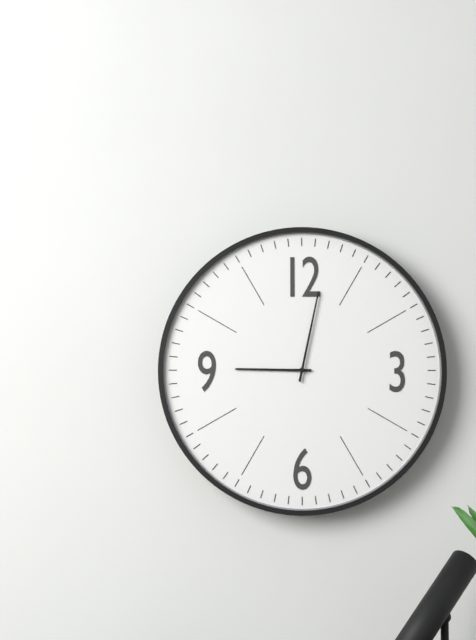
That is 9 h 02 min
